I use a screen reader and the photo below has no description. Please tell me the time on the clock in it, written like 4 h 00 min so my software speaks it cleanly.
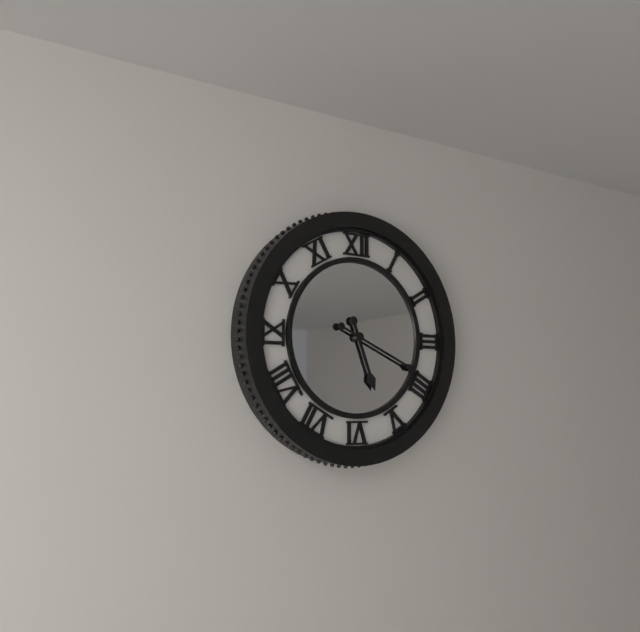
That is 5 h 19 min
